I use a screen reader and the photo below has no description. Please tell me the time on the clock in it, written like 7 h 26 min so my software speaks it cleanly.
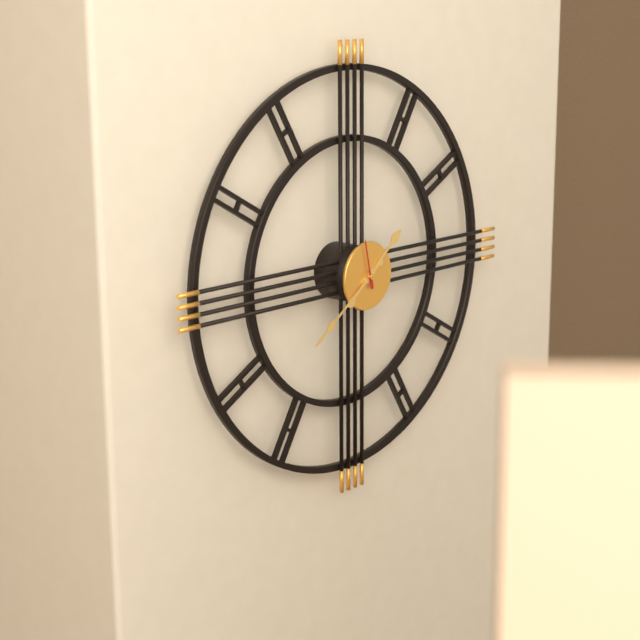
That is 1 h 39 min
